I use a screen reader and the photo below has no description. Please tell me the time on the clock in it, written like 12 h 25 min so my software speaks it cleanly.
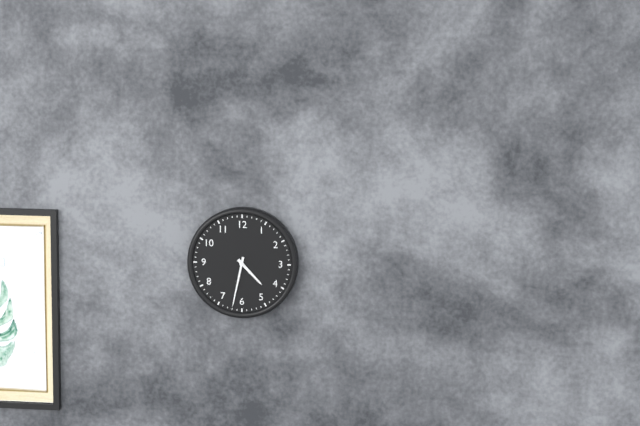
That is 4 h 32 min
